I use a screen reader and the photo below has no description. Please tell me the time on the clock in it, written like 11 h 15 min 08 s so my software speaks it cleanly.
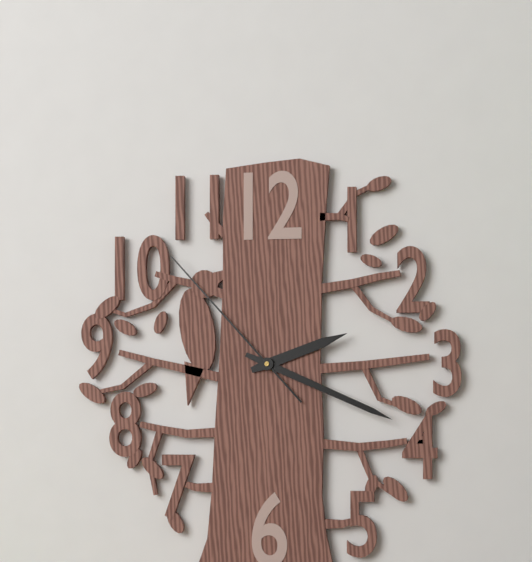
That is 2 h 19 min 53 s
